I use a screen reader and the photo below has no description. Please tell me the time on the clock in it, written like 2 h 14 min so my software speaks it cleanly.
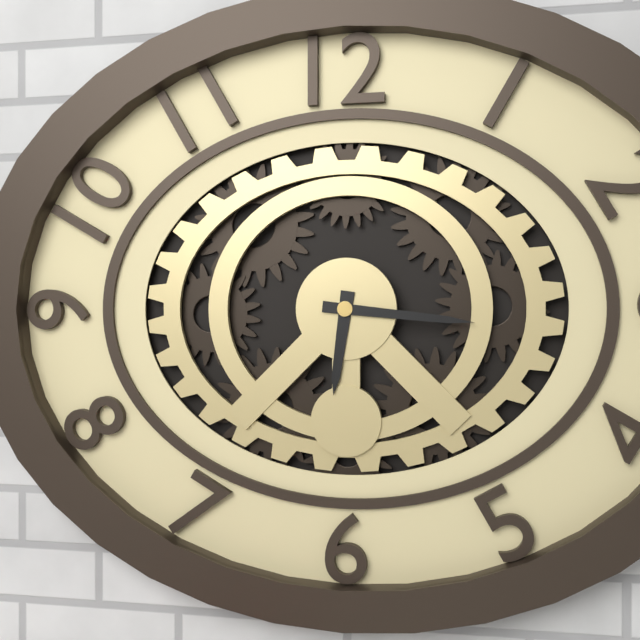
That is 6 h 16 min
